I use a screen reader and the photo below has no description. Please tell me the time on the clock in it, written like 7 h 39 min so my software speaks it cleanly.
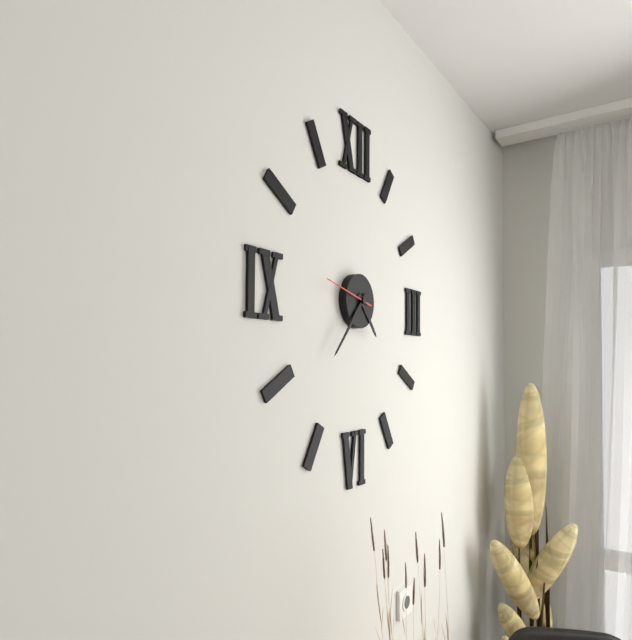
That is 4 h 37 min
